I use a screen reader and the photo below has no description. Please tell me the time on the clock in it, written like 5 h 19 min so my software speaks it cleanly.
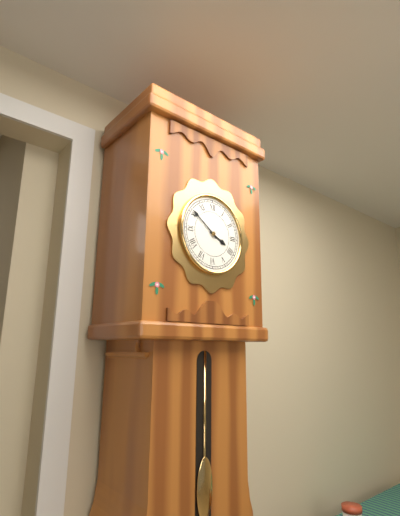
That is 3 h 51 min
